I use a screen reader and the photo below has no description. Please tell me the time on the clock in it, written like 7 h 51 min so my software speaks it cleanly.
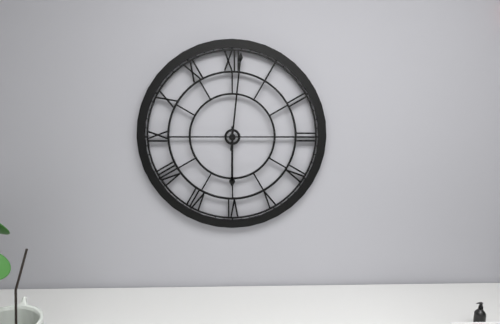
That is 6 h 01 min
